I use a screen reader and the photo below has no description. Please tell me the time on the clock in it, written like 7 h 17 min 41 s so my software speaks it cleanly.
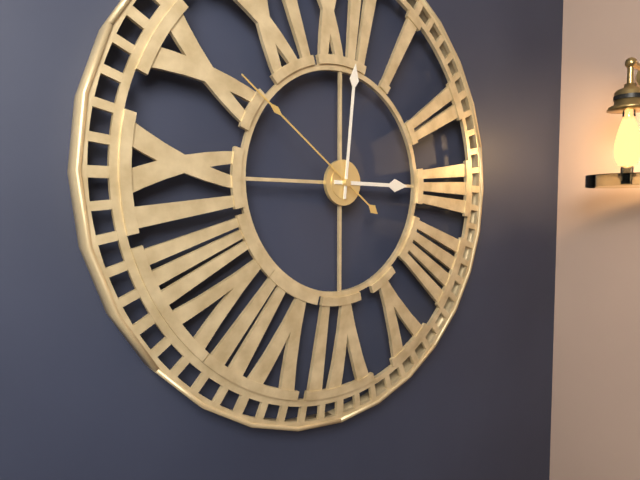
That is 3 h 01 min 51 s
